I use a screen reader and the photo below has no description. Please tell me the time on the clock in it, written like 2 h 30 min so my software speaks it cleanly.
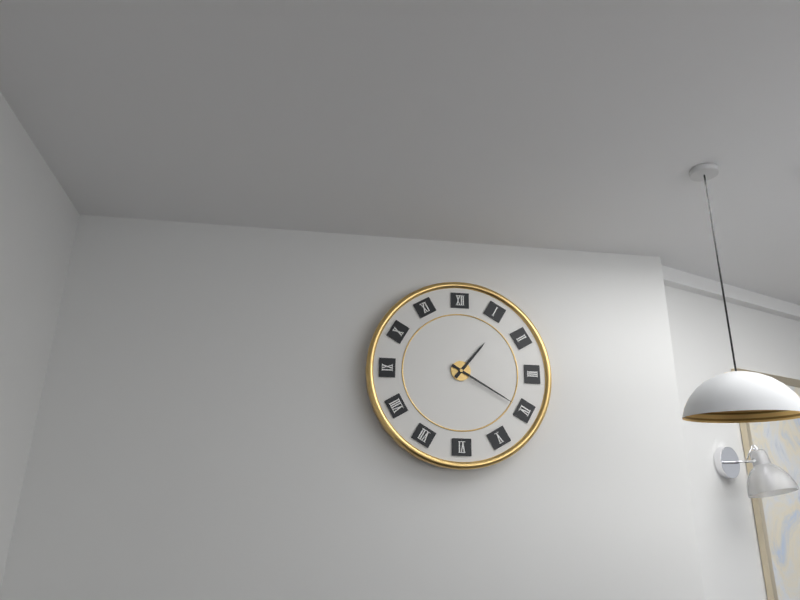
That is 1 h 20 min
